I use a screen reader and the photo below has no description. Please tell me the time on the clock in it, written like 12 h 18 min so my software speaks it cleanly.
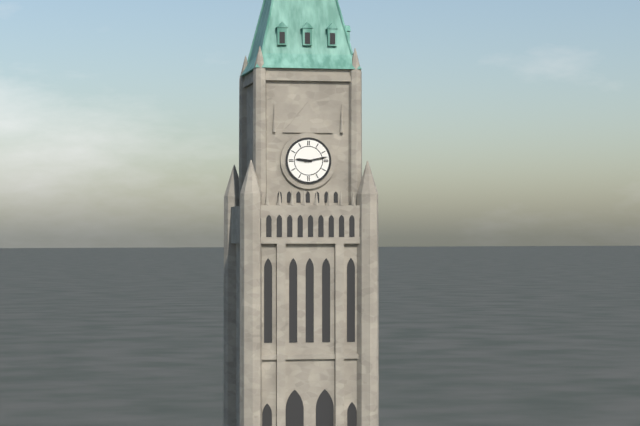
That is 9 h 13 min
